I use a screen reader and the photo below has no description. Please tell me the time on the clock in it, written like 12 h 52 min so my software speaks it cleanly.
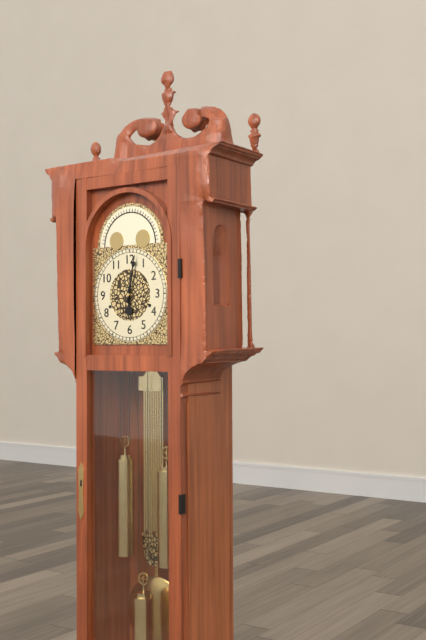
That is 6 h 02 min
